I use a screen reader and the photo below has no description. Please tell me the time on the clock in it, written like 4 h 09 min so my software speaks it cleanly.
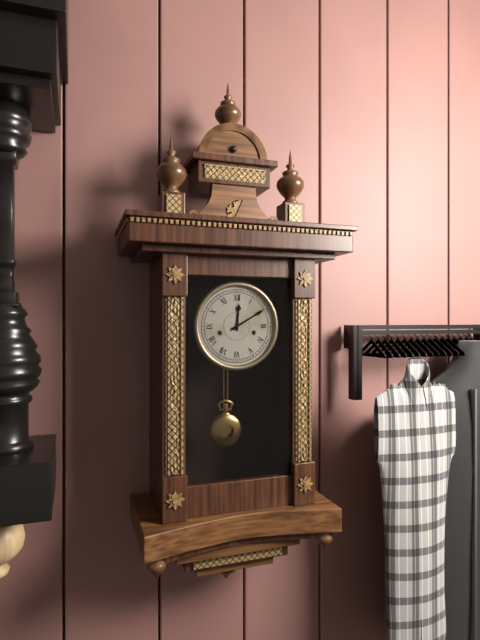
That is 12 h 10 min
